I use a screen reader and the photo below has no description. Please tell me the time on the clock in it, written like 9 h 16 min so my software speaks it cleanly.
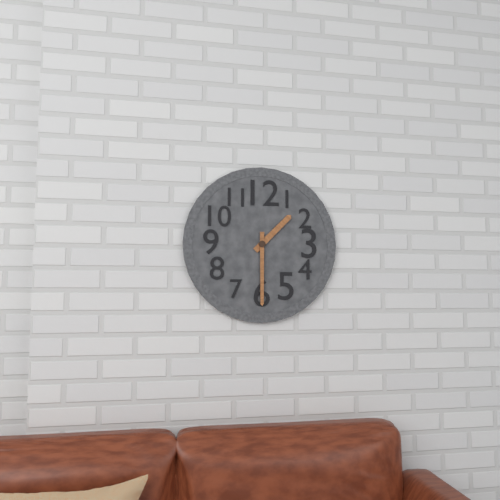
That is 1 h 30 min
